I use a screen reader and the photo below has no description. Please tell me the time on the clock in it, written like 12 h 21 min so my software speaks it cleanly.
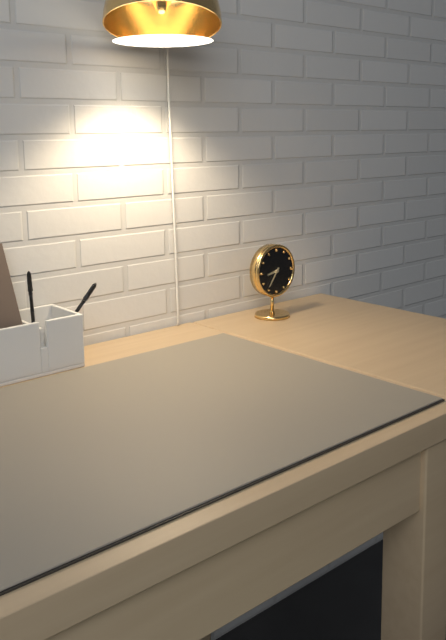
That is 8 h 36 min
